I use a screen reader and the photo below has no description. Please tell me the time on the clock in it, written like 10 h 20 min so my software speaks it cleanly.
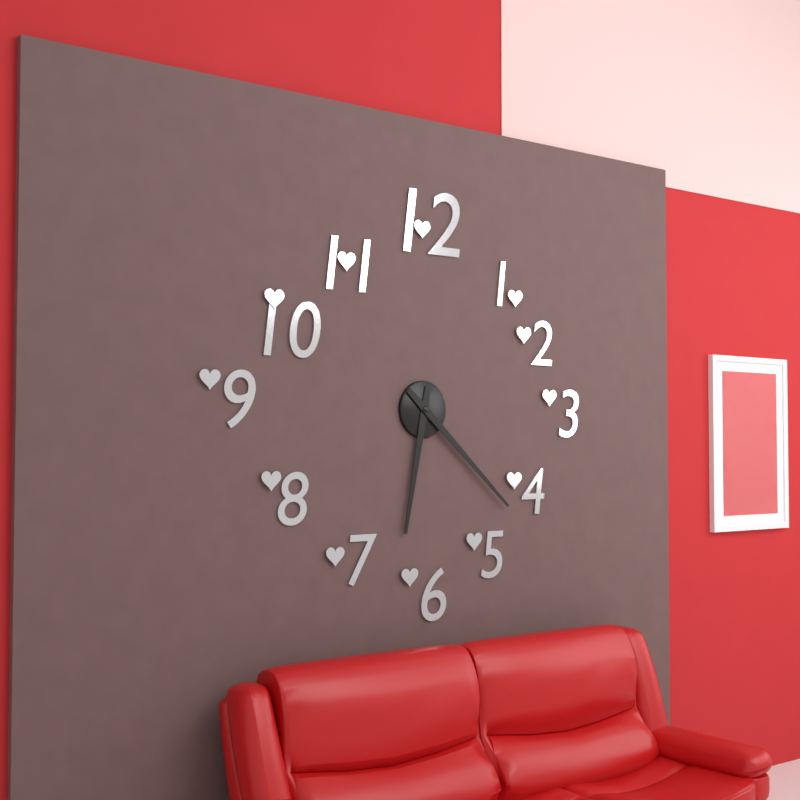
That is 6 h 22 min
